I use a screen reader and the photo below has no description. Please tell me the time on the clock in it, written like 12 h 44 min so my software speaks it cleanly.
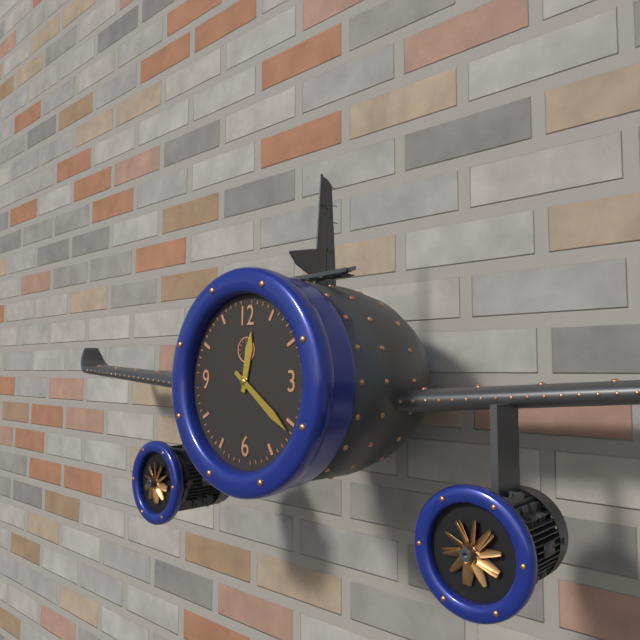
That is 12 h 21 min
